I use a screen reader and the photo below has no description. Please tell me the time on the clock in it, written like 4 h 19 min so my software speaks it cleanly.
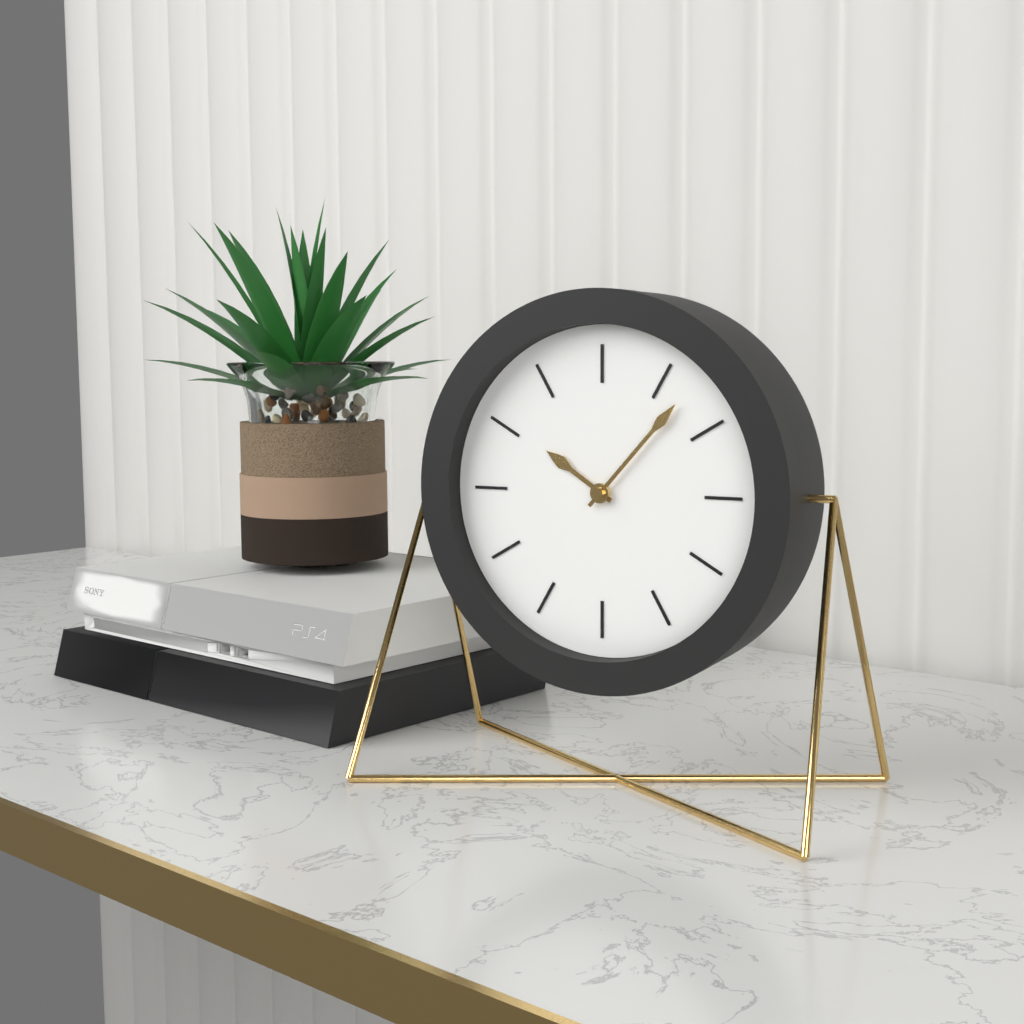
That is 10 h 07 min
